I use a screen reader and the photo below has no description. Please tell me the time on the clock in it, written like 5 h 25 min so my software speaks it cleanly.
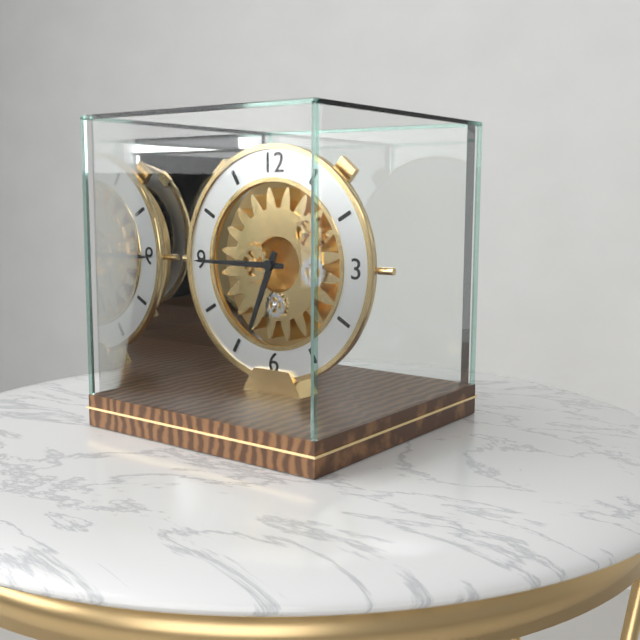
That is 6 h 45 min
